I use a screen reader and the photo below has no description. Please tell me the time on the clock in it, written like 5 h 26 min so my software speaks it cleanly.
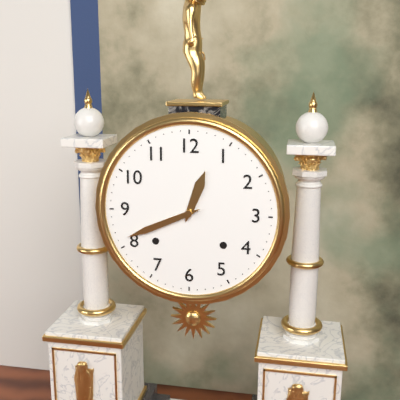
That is 12 h 41 min
